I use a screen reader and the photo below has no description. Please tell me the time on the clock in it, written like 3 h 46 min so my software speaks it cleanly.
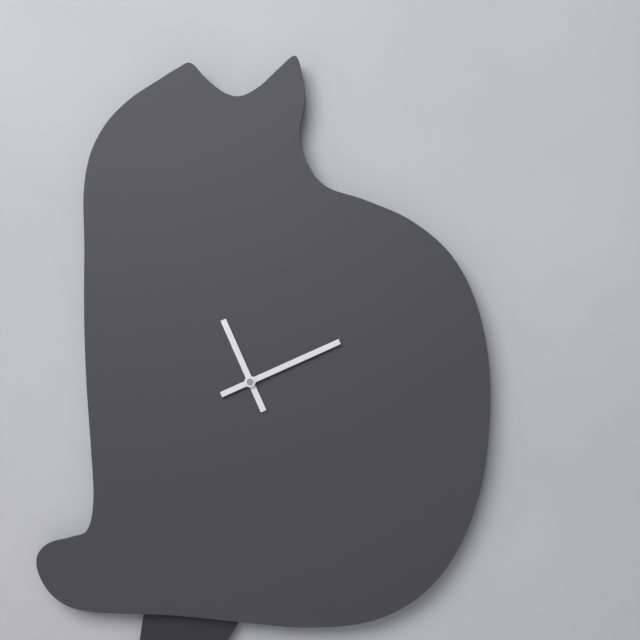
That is 11 h 11 min
